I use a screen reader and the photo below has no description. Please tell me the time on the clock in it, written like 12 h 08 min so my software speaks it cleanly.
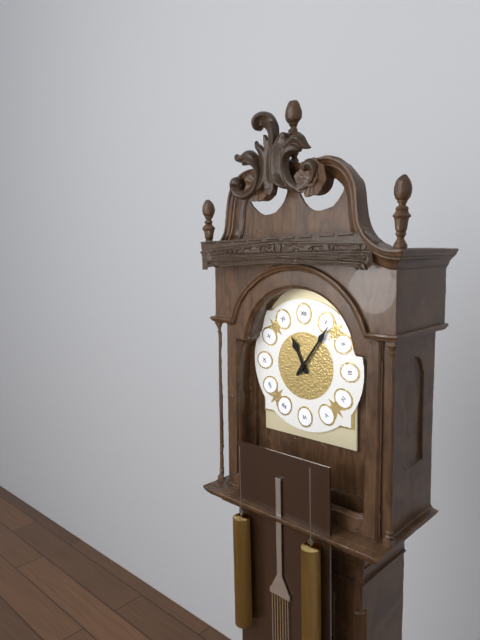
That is 11 h 06 min
